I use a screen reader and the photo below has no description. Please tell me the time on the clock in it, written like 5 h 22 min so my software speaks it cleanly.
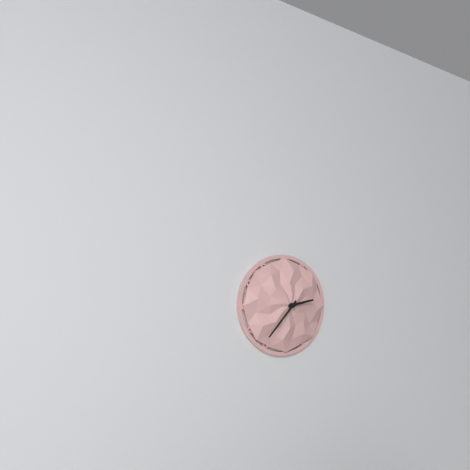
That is 2 h 37 min
